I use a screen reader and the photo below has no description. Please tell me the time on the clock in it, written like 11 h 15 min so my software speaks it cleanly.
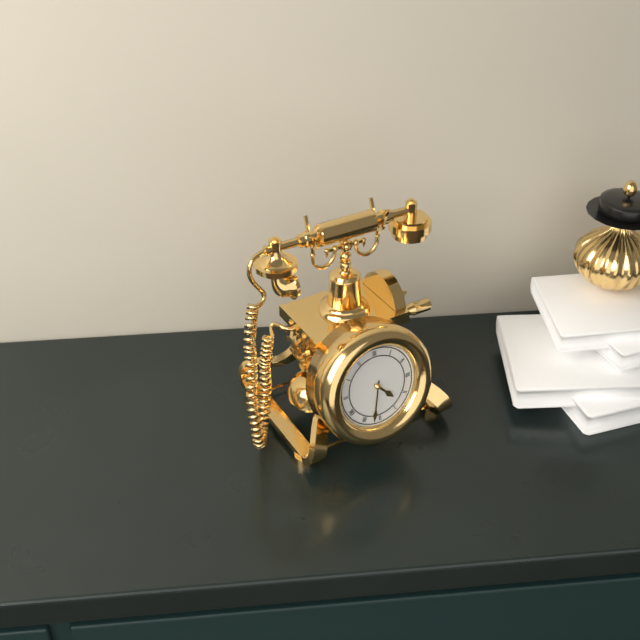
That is 4 h 32 min
